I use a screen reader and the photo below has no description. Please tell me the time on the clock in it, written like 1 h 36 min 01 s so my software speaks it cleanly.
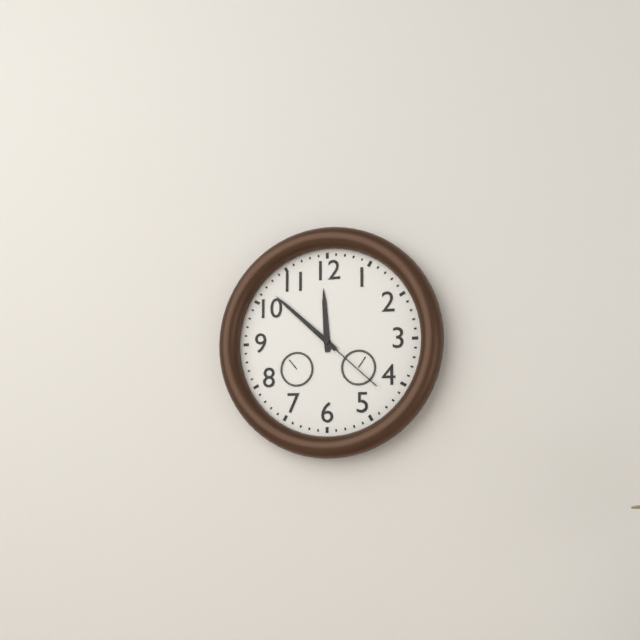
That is 11 h 52 min 22 s
